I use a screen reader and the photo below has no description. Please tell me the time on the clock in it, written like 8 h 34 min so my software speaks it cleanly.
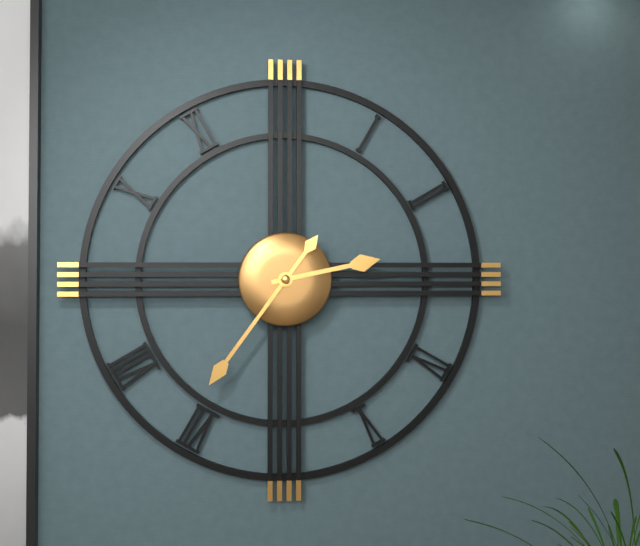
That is 2 h 36 min
